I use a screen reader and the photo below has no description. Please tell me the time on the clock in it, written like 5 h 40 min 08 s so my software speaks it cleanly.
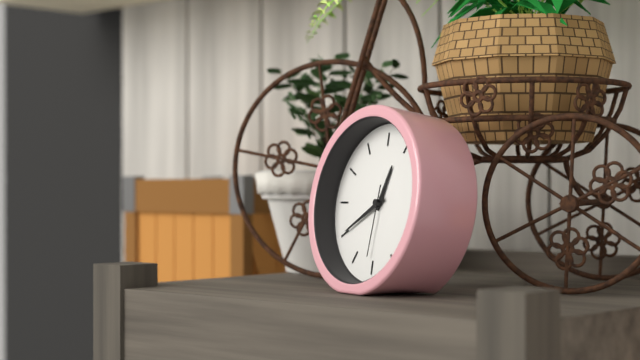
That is 12 h 40 min 31 s
